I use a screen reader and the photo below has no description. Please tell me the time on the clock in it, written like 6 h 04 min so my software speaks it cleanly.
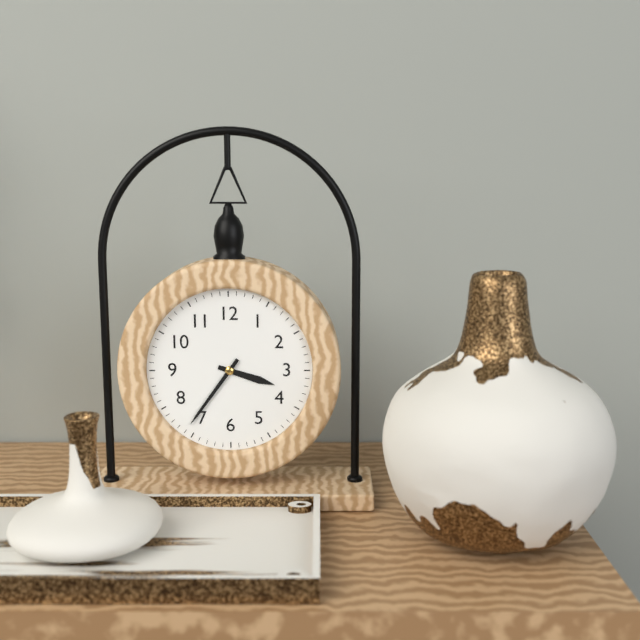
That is 3 h 36 min
